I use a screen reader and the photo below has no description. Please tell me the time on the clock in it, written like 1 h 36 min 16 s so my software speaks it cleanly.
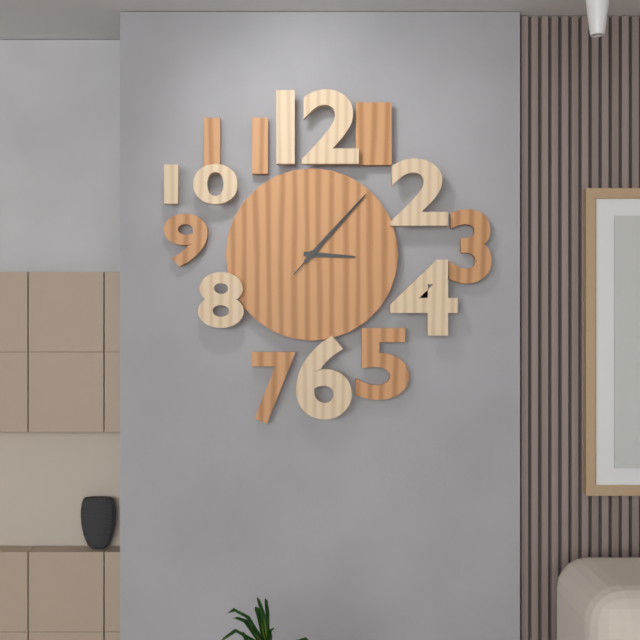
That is 3 h 07 min 07 s
